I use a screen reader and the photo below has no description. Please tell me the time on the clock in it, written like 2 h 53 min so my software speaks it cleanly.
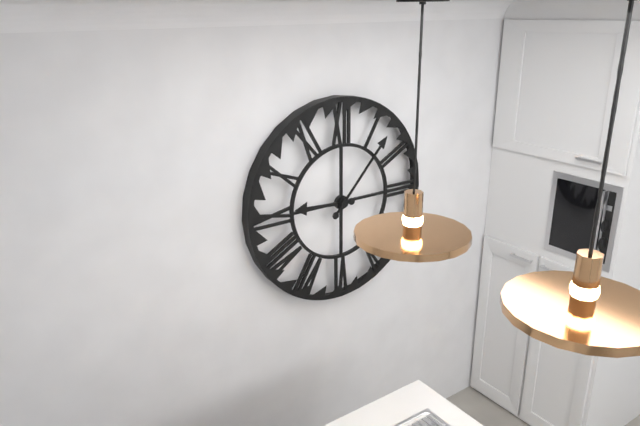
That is 9 h 07 min
